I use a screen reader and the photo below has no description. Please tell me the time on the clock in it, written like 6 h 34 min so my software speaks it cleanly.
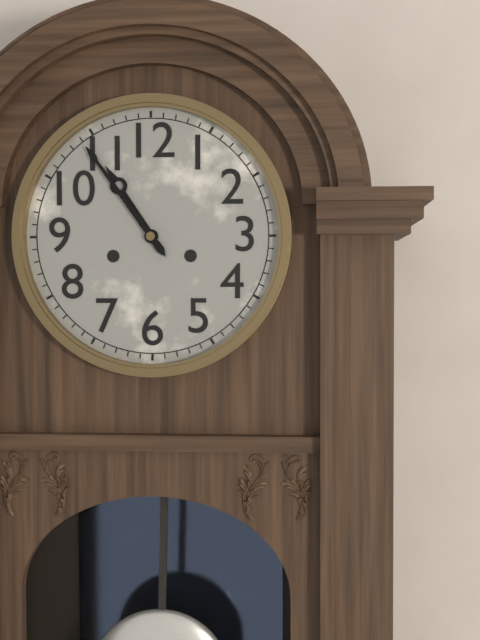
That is 10 h 54 min
